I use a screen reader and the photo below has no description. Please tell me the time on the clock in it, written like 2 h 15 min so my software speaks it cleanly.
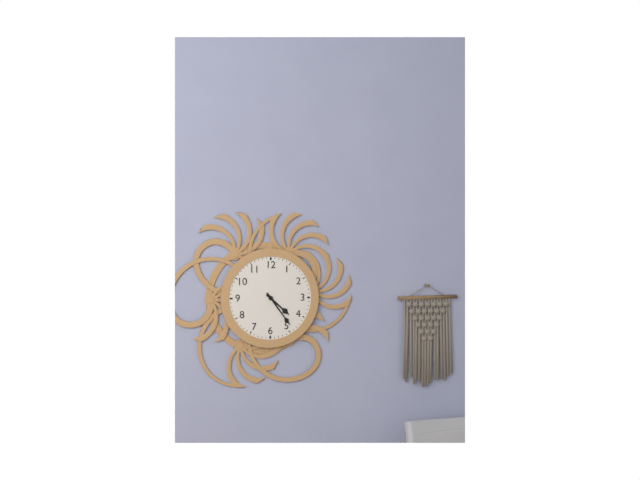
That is 4 h 24 min
